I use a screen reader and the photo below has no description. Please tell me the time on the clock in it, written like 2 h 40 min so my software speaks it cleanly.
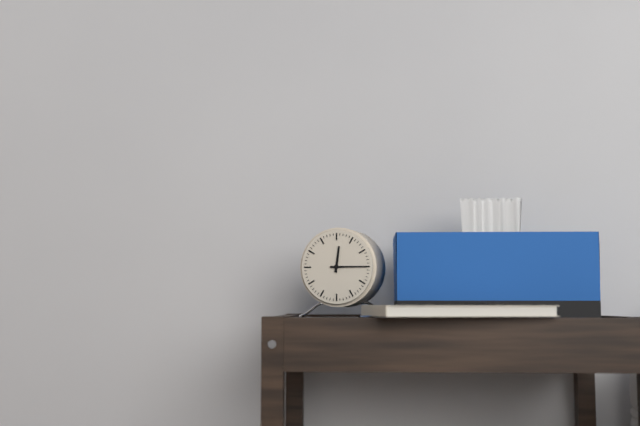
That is 12 h 15 min
